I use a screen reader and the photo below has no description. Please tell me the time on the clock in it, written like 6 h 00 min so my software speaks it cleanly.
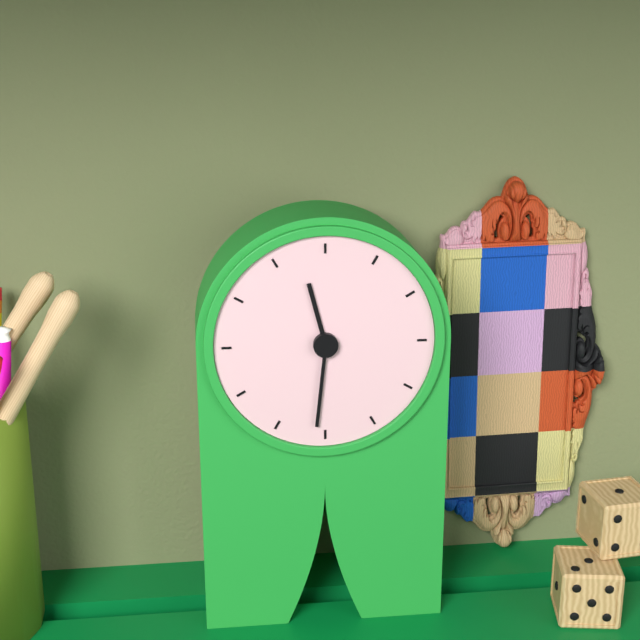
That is 11 h 31 min
